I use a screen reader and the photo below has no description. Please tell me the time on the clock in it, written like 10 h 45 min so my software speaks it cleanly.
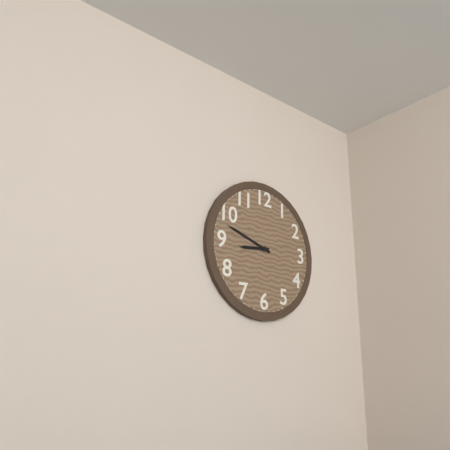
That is 8 h 48 min
